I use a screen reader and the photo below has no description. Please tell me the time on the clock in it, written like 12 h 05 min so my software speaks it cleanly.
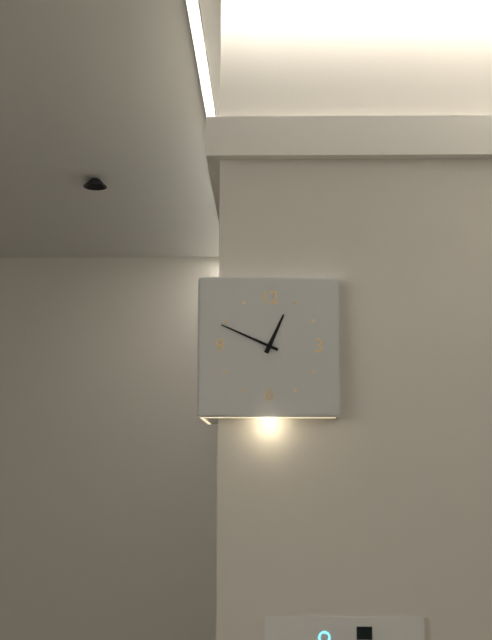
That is 12 h 49 min
